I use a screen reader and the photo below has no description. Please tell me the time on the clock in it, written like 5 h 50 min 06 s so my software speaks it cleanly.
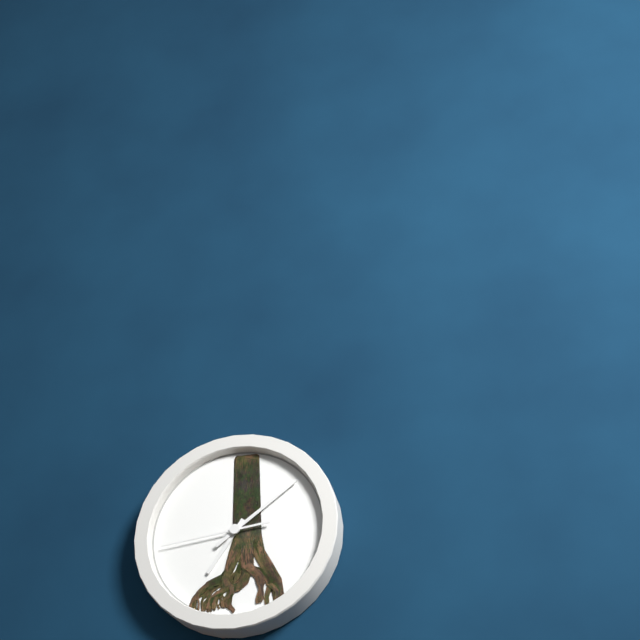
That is 7 h 09 min 44 s
